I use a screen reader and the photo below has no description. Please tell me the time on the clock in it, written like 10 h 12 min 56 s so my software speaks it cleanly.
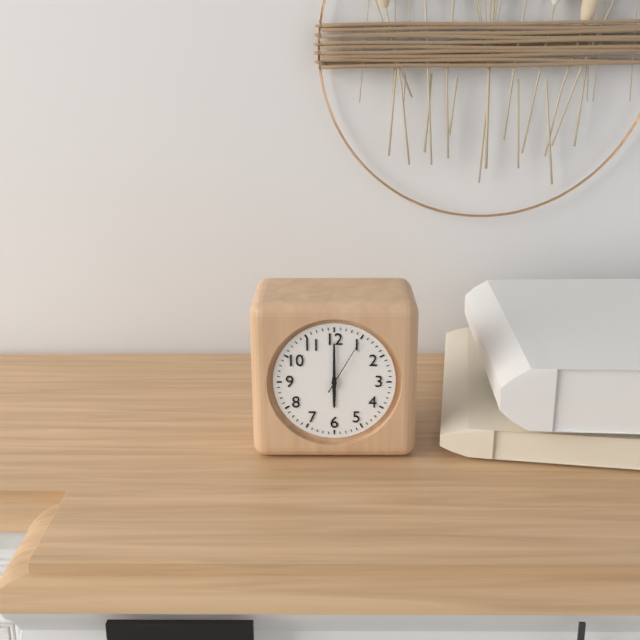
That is 6 h 00 min 05 s
